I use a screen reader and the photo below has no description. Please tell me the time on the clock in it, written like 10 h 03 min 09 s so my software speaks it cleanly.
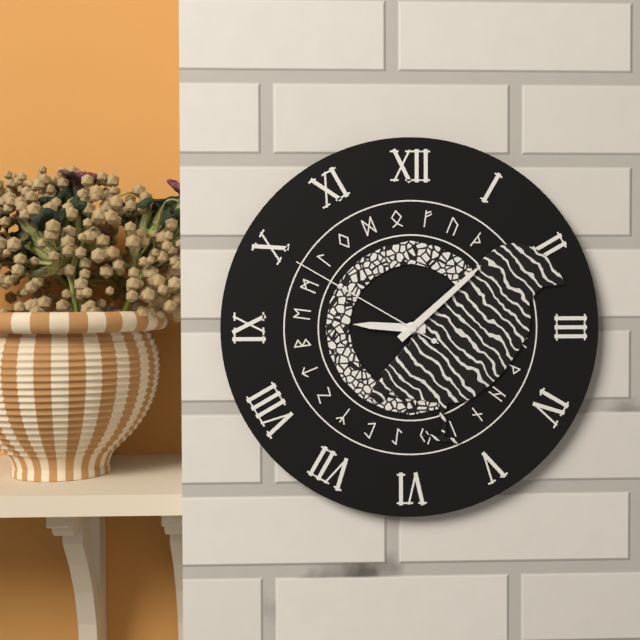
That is 9 h 08 min 50 s
